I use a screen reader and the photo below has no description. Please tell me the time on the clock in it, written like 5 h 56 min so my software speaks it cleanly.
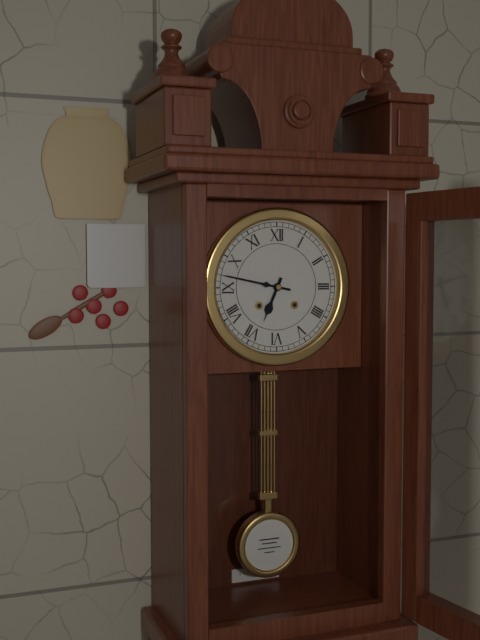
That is 6 h 47 min
